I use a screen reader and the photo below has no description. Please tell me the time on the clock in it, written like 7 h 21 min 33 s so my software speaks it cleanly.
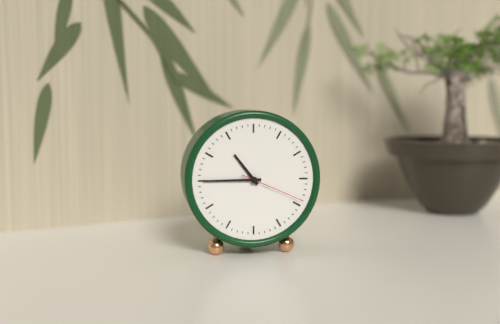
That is 10 h 45 min 19 s
